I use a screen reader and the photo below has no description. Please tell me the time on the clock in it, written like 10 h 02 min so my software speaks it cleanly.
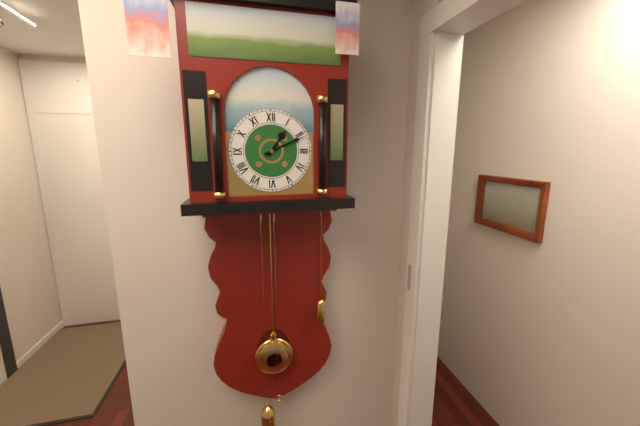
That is 1 h 11 min
